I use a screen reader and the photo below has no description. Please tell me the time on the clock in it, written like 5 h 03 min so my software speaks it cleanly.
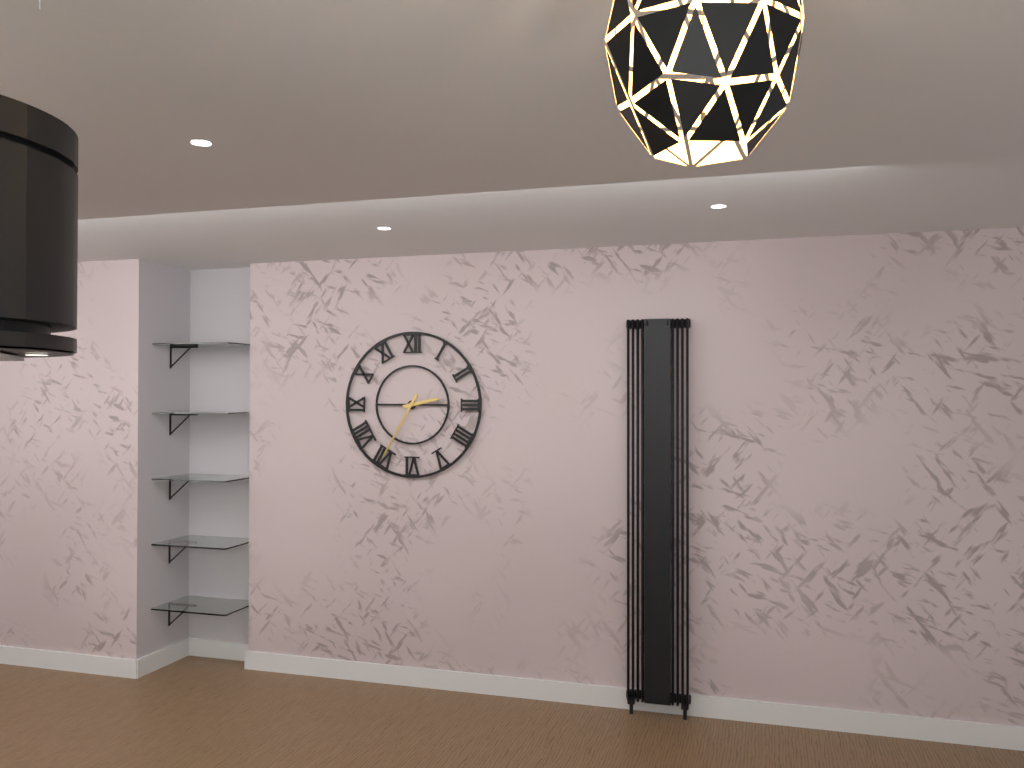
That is 2 h 35 min
